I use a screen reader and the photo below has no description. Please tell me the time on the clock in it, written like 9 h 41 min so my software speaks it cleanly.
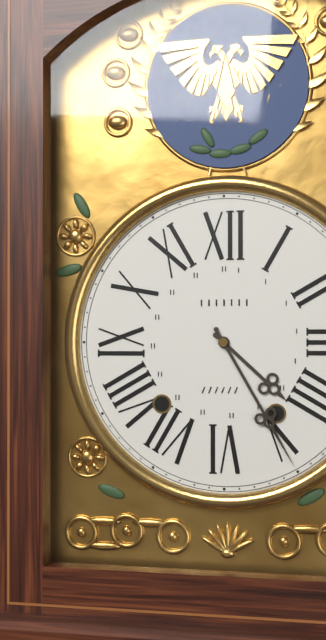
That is 4 h 25 min
